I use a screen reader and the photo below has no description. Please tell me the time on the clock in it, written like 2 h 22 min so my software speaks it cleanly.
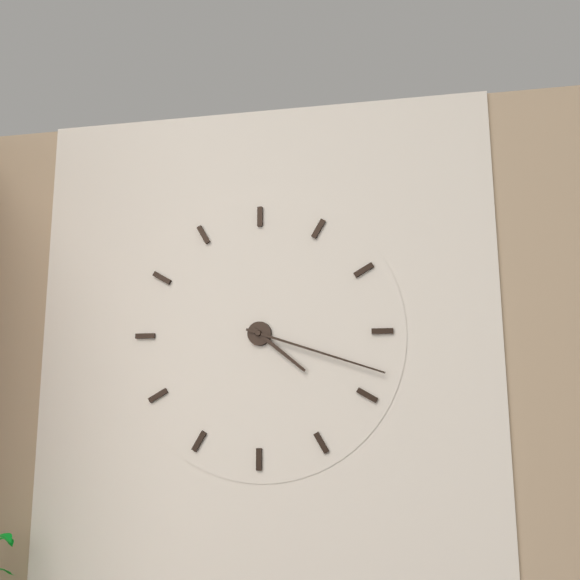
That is 4 h 18 min
